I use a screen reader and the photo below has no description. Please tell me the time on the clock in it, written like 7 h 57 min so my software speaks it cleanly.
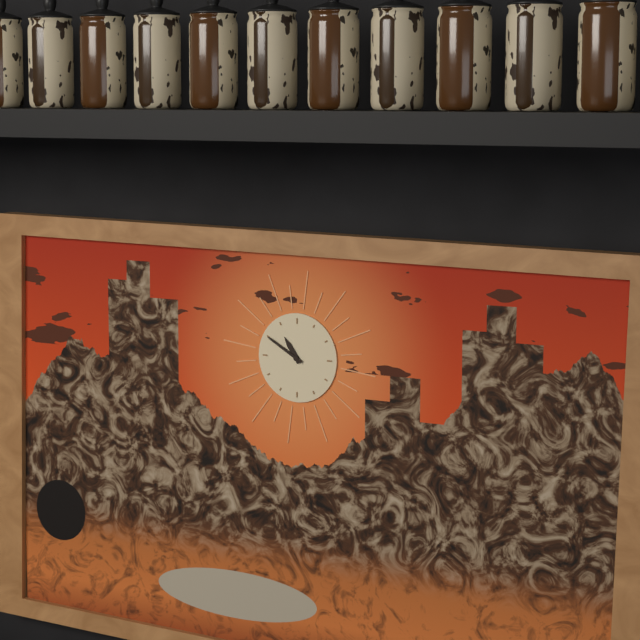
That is 10 h 50 min
